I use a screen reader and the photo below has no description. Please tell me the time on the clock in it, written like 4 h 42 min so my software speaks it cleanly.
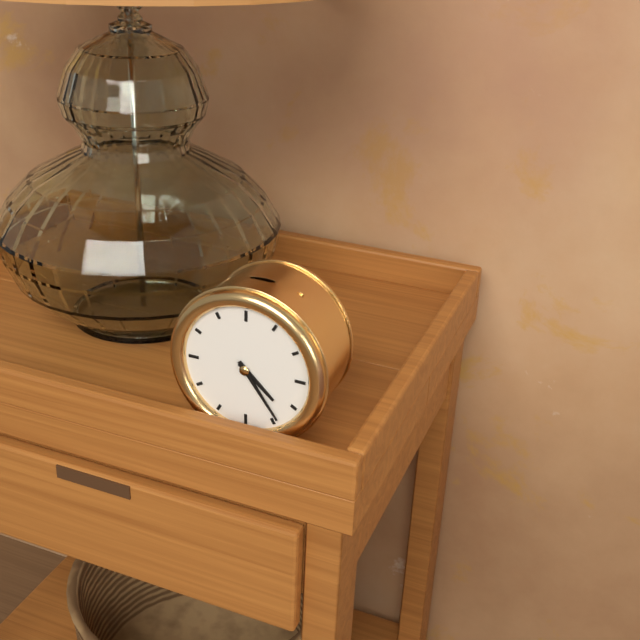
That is 4 h 24 min
